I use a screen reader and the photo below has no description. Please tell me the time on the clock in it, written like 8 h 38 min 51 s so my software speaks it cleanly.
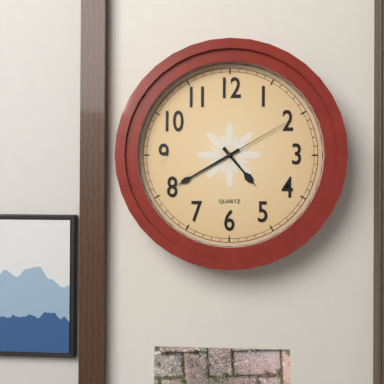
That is 4 h 40 min 10 s
